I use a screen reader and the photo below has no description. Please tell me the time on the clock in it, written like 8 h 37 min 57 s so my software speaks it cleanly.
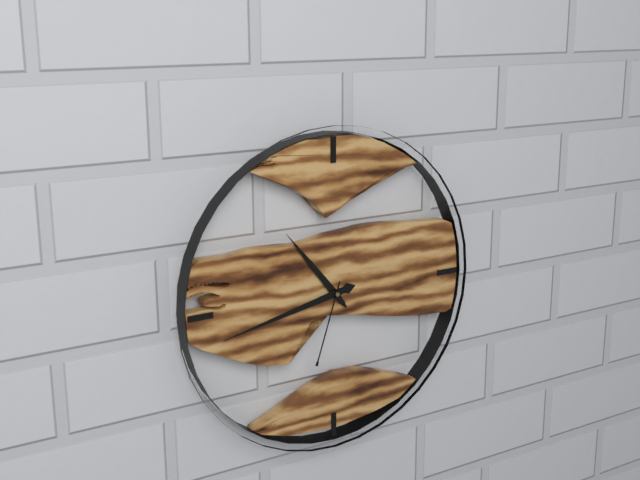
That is 10 h 43 min 33 s
